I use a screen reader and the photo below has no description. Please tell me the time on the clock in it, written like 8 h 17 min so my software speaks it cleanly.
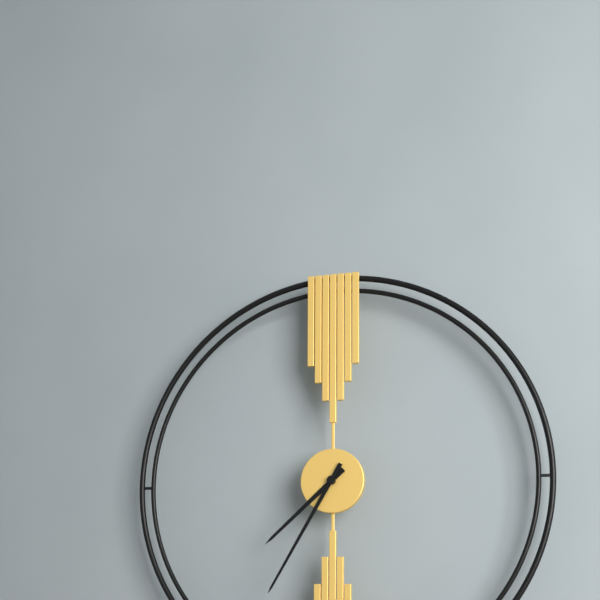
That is 7 h 35 min
